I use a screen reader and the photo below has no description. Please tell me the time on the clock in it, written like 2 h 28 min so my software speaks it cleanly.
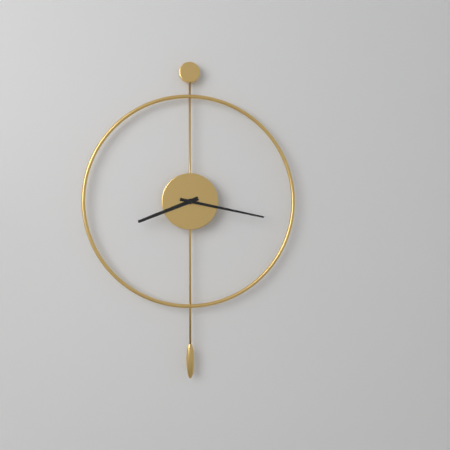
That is 8 h 17 min
